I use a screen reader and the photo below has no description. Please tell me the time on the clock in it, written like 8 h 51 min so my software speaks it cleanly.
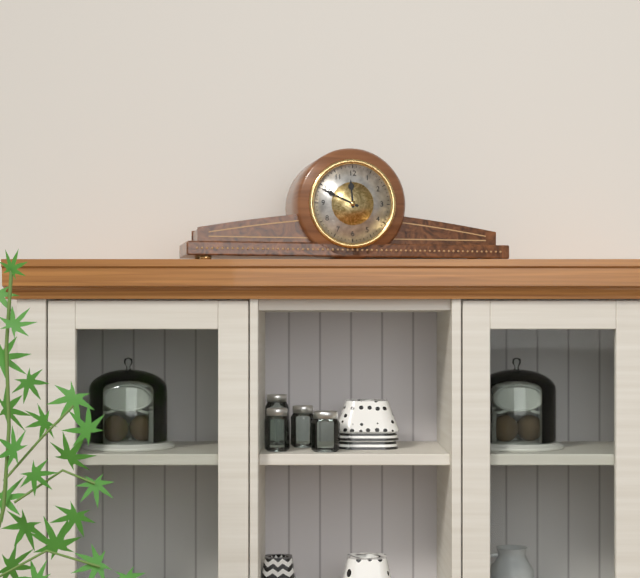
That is 11 h 49 min
